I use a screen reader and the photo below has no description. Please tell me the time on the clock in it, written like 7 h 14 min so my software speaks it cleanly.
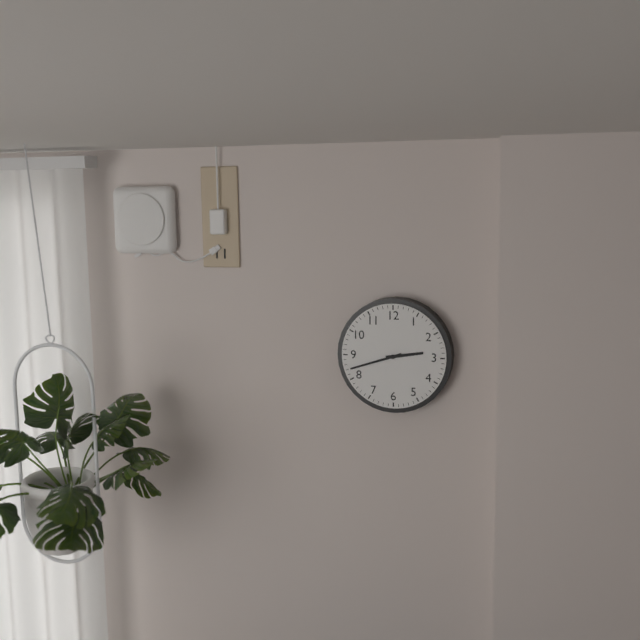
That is 2 h 42 min
